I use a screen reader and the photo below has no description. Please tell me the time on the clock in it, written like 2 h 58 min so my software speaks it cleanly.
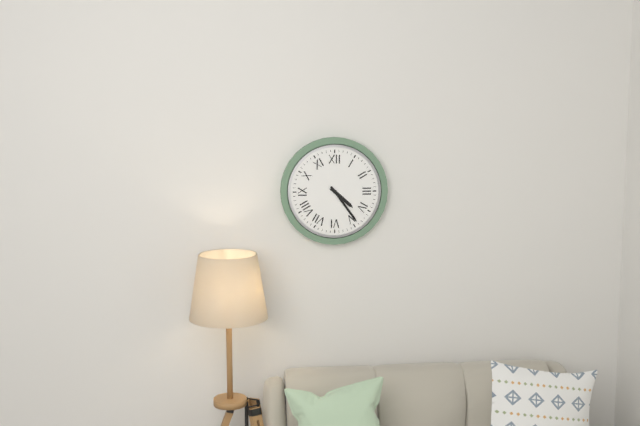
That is 4 h 24 min
